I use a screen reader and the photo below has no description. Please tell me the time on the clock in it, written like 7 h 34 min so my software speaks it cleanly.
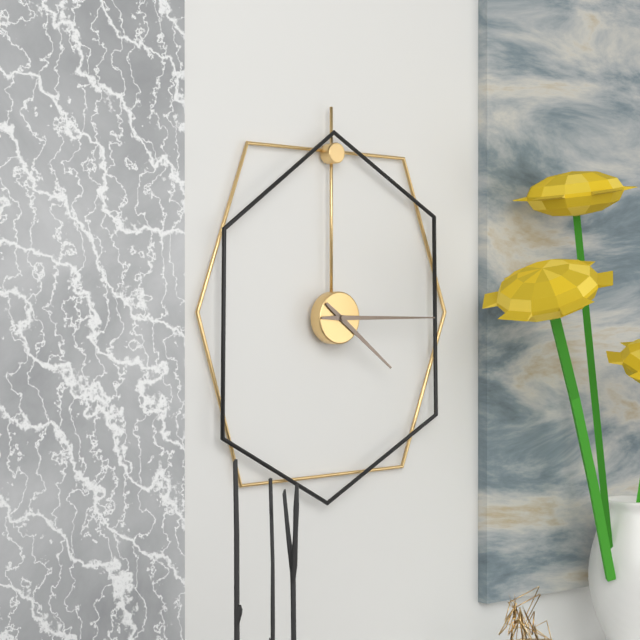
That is 4 h 15 min
